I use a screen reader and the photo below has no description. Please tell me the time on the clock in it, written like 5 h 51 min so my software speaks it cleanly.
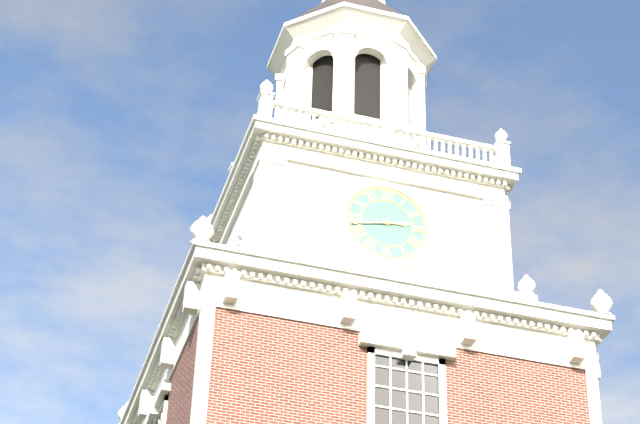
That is 2 h 43 min
